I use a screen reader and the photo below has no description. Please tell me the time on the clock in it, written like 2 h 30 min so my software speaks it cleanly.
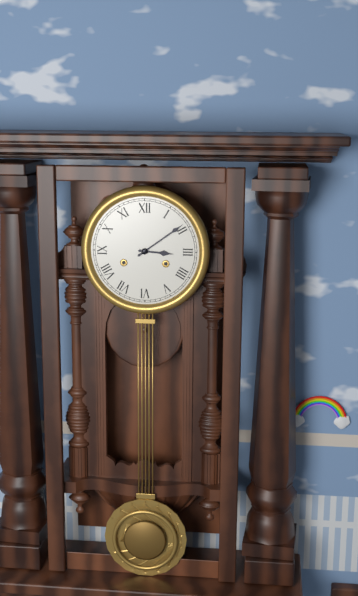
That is 3 h 09 min
